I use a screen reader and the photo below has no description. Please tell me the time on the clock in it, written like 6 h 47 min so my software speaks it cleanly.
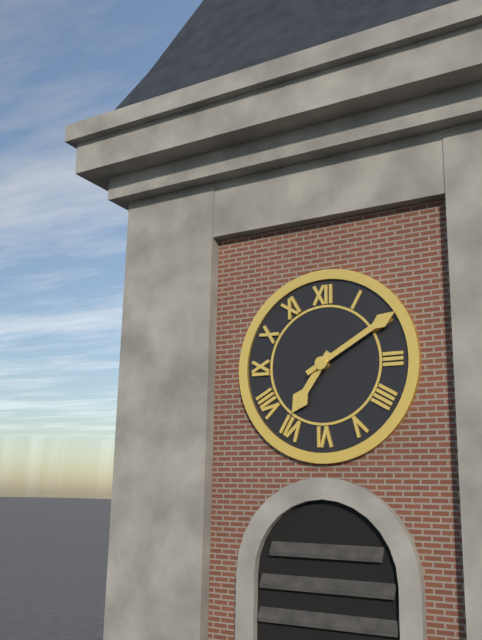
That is 7 h 10 min
